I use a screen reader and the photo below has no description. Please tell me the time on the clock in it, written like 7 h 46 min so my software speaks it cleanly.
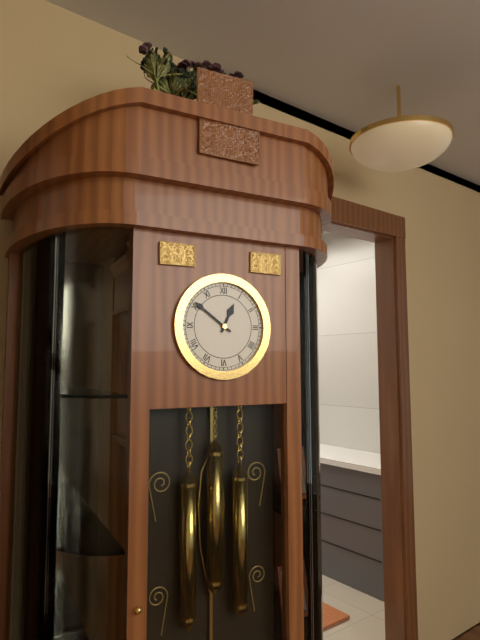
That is 12 h 51 min
